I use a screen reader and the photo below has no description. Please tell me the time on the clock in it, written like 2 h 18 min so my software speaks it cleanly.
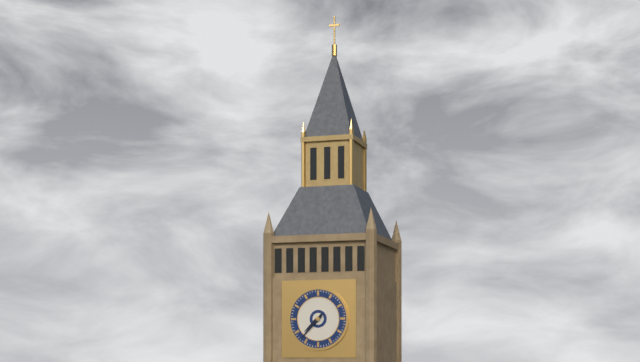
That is 7 h 37 min
